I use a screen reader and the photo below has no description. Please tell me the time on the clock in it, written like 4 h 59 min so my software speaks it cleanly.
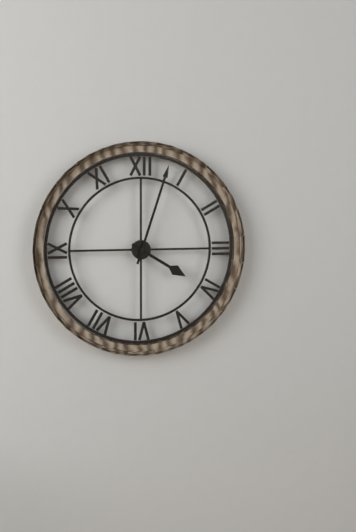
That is 4 h 03 min
